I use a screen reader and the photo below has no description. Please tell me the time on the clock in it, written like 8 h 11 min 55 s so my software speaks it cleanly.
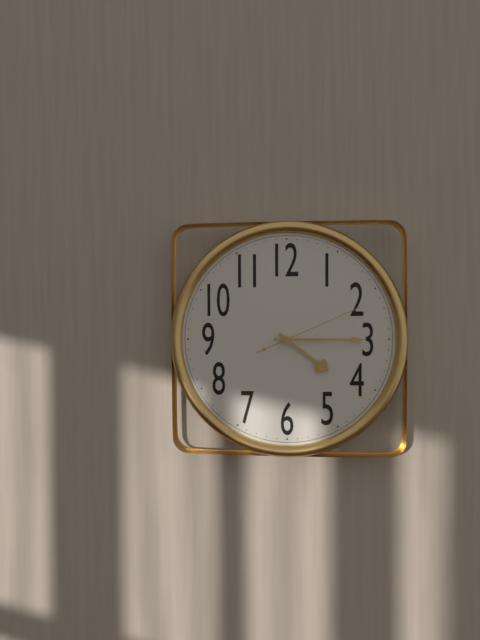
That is 4 h 15 min 11 s
